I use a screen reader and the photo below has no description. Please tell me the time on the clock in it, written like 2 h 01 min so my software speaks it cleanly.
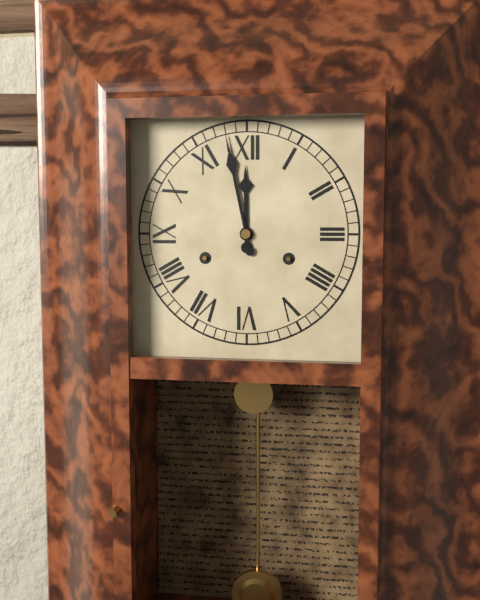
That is 11 h 58 min
